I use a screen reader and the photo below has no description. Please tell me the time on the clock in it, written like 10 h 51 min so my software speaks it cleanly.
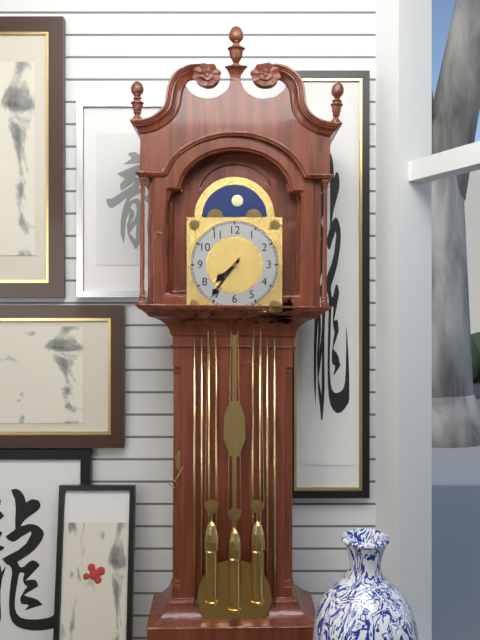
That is 7 h 36 min
